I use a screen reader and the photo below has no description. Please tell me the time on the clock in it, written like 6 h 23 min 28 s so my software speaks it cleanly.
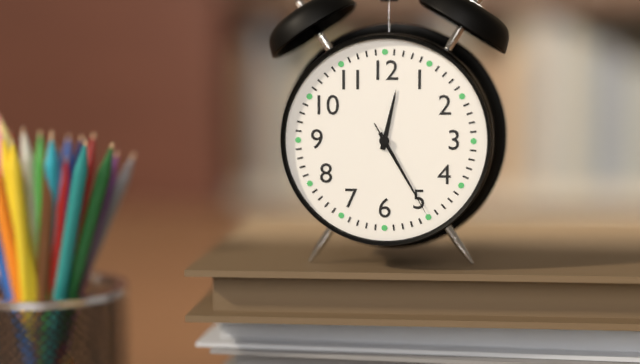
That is 12 h 25 min 25 s
